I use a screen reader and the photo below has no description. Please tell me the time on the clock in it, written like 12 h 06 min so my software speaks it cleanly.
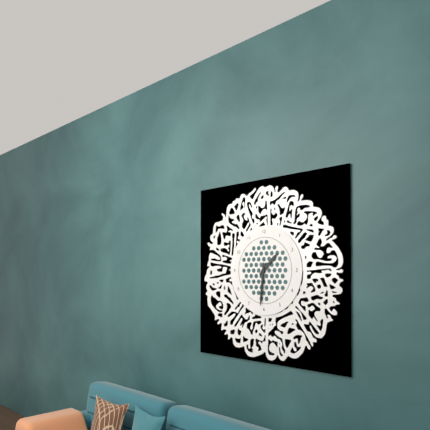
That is 1 h 31 min
